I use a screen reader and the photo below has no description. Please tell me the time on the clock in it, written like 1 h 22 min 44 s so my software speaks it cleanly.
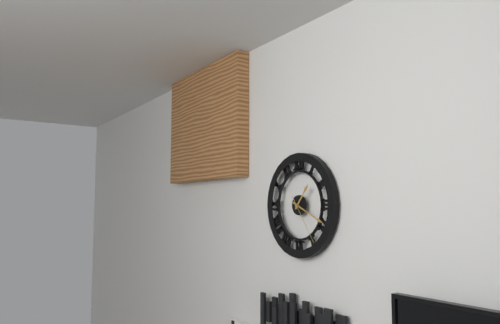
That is 1 h 19 min 24 s
